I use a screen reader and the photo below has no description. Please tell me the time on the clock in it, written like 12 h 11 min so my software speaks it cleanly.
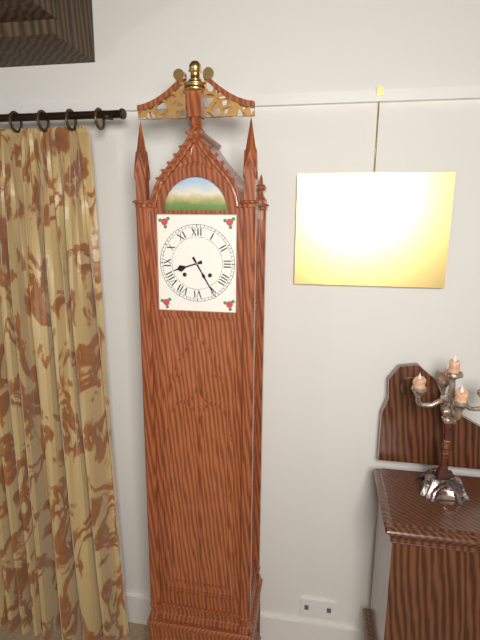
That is 8 h 25 min
